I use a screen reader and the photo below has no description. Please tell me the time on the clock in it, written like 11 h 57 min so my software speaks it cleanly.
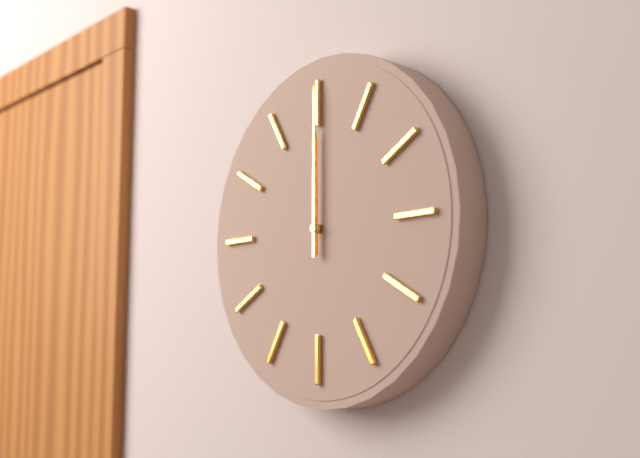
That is 12 h 00 min
